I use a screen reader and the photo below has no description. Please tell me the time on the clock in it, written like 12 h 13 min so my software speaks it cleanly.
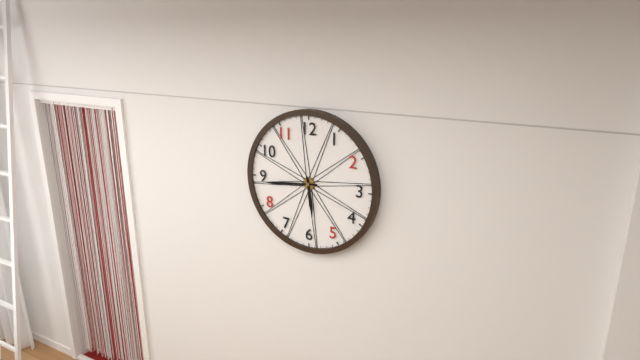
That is 5 h 44 min
